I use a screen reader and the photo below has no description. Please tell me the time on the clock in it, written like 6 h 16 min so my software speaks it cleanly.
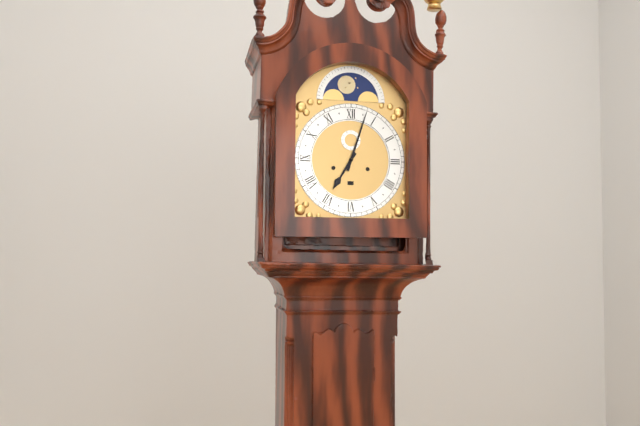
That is 7 h 03 min
